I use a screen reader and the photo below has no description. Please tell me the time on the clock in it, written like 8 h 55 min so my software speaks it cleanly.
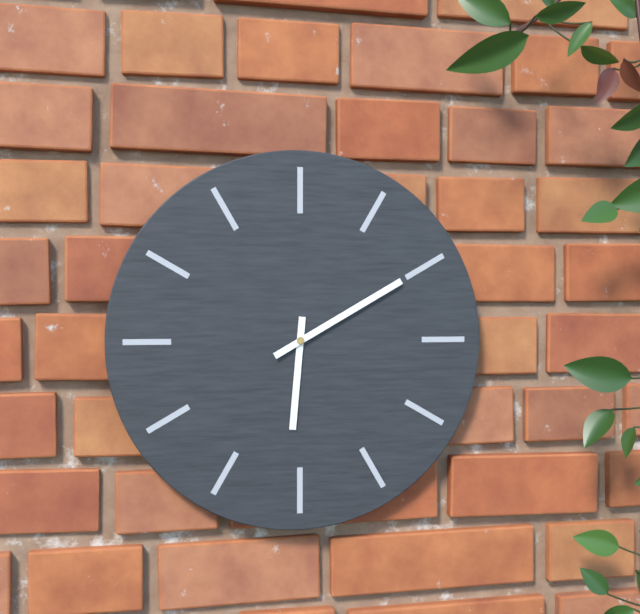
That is 6 h 10 min
